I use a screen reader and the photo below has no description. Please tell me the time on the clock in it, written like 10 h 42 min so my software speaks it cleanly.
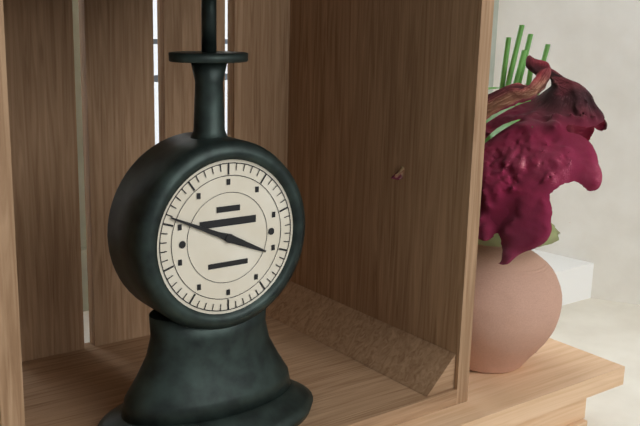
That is 3 h 49 min
